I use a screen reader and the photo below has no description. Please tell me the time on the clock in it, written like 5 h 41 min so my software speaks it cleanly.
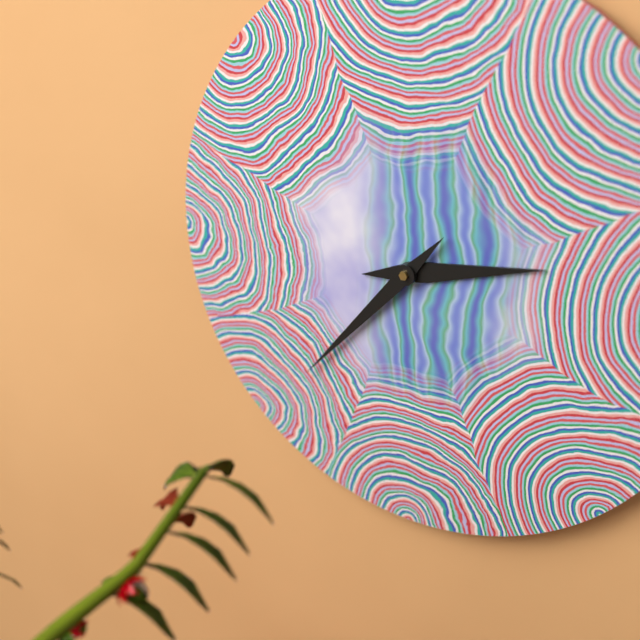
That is 2 h 37 min
